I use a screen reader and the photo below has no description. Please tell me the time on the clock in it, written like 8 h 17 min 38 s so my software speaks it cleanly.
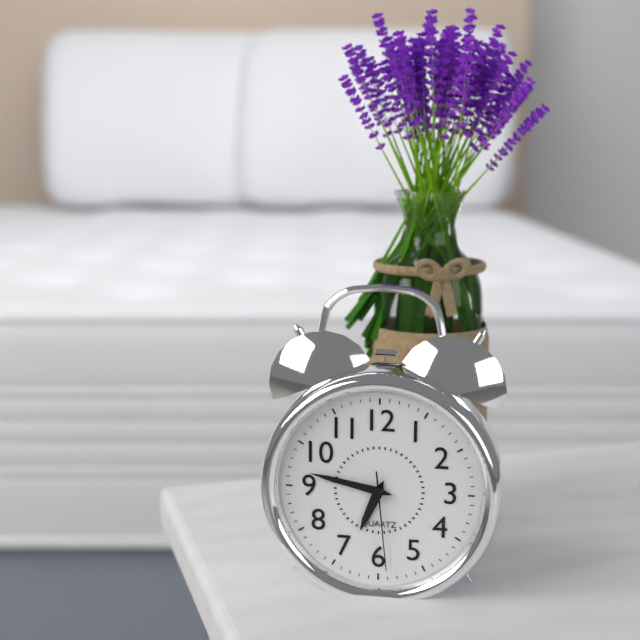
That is 6 h 47 min 29 s
